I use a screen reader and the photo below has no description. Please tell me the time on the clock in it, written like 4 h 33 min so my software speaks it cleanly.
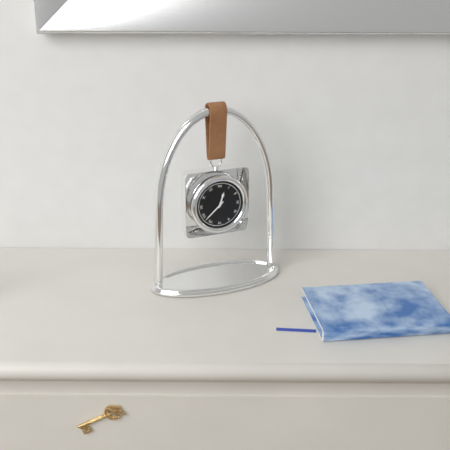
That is 12 h 38 min
